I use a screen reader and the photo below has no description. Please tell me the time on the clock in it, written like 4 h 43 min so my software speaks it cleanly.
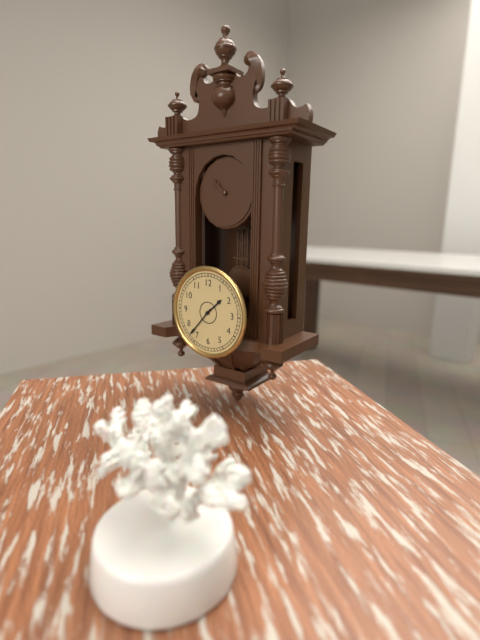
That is 1 h 37 min
